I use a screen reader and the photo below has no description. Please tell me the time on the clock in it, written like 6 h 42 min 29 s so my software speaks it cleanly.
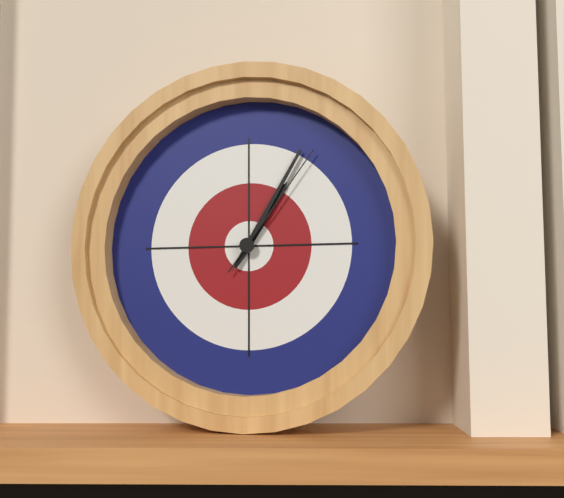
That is 1 h 05 min 06 s
